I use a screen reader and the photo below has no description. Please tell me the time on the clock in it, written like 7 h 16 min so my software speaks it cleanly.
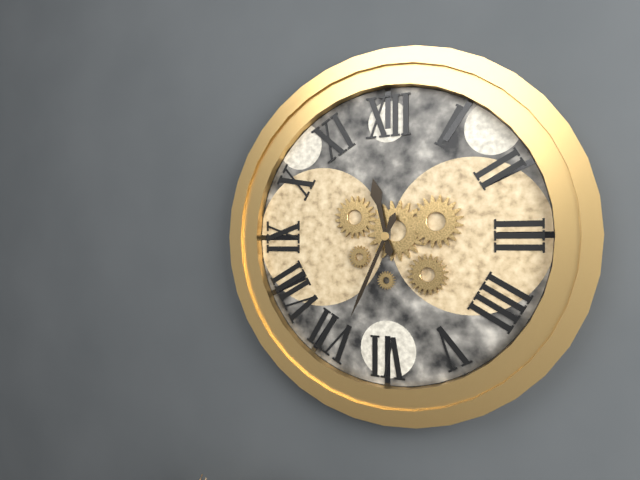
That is 11 h 34 min
